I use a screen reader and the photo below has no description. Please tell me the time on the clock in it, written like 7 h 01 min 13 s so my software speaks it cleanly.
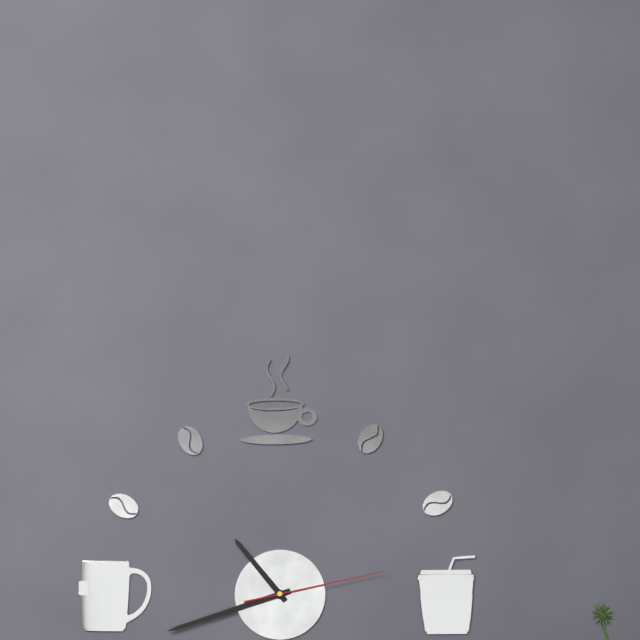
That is 10 h 42 min 13 s
